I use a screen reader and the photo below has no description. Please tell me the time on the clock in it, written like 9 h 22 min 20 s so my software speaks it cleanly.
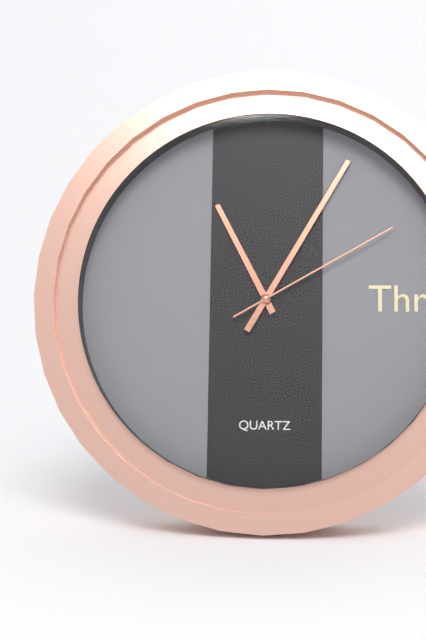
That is 11 h 05 min 10 s
